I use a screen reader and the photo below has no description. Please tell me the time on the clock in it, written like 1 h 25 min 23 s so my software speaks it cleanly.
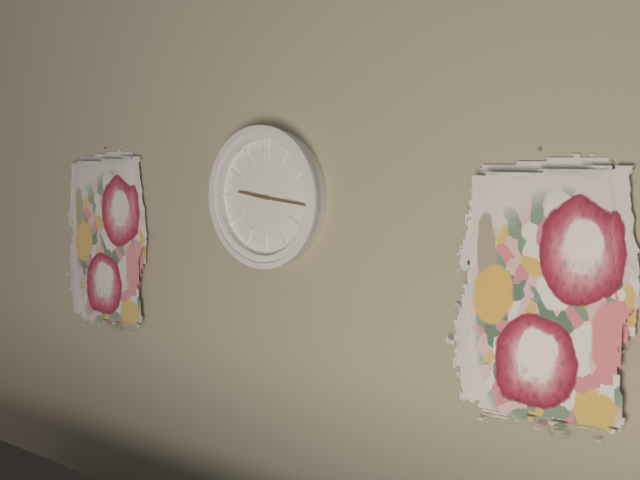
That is 9 h 16 min 16 s
